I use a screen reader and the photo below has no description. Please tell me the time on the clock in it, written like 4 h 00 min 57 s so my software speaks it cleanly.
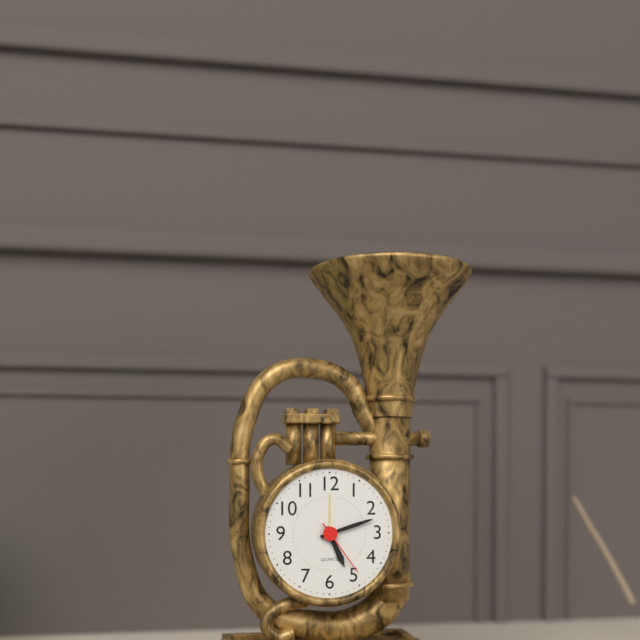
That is 5 h 12 min 24 s
